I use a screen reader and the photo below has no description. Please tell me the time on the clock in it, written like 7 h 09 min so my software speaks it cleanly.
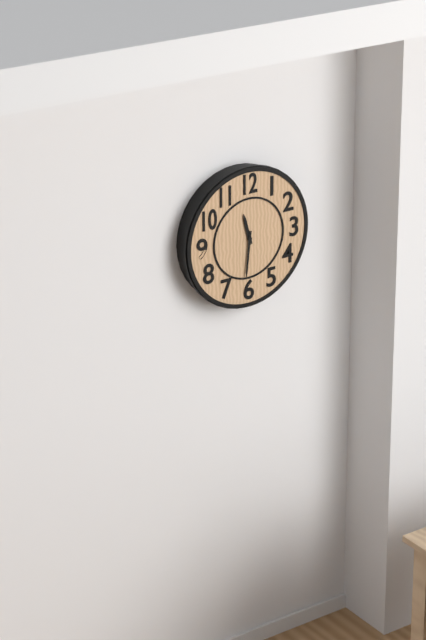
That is 11 h 31 min
